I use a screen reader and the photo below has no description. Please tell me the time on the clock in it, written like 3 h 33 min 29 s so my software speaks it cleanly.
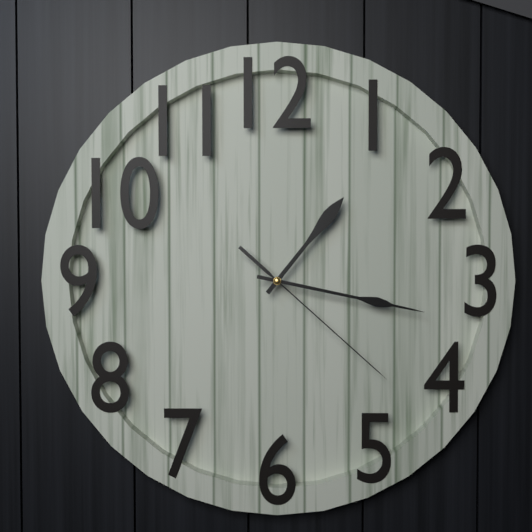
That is 1 h 17 min 22 s
